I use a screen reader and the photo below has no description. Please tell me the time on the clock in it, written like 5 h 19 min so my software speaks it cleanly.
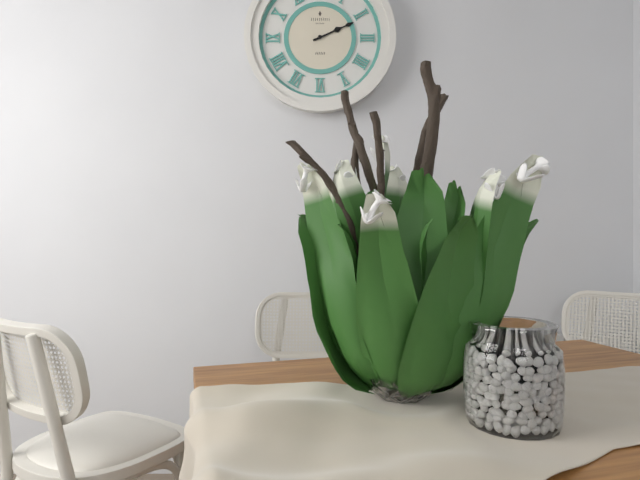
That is 2 h 11 min
